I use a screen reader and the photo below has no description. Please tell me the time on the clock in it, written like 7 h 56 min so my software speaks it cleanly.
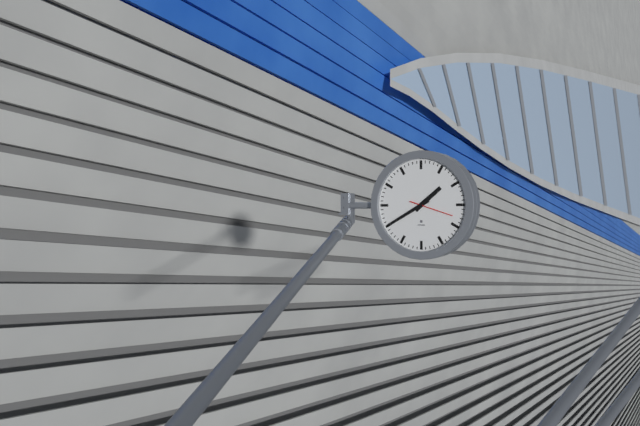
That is 1 h 40 min
